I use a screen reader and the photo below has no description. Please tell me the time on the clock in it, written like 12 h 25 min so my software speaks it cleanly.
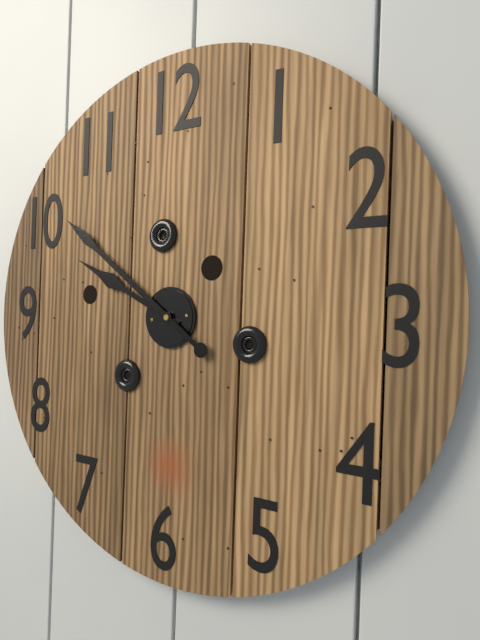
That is 9 h 51 min
